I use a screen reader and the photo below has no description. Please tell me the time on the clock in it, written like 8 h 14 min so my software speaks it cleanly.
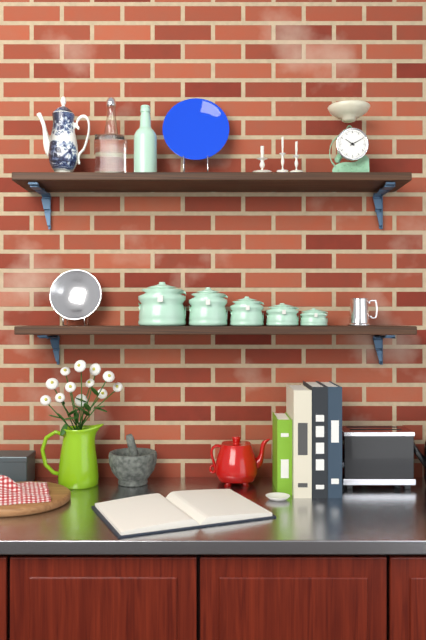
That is 10 h 10 min
